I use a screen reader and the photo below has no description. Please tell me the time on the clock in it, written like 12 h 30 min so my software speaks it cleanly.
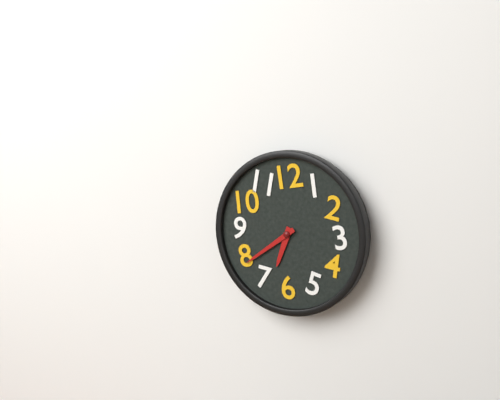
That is 6 h 39 min
